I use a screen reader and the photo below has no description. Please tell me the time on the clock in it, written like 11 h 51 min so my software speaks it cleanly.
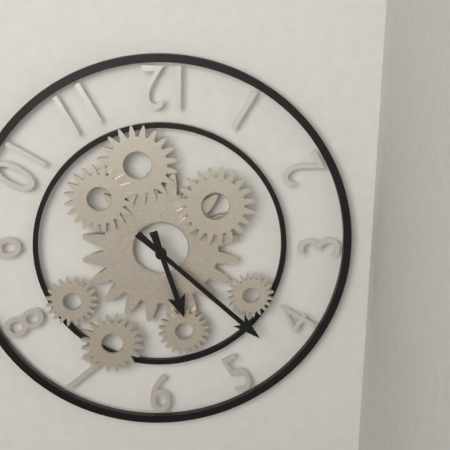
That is 5 h 22 min
